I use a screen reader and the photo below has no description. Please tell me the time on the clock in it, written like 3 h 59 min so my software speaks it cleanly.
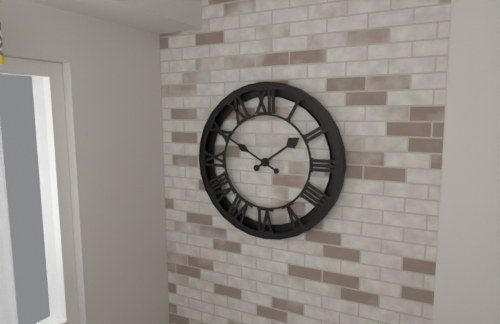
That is 1 h 50 min
